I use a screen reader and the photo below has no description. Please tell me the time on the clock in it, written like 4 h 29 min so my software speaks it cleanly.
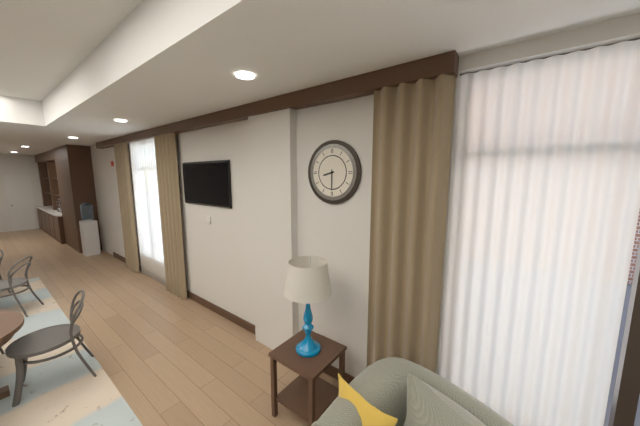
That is 8 h 30 min
